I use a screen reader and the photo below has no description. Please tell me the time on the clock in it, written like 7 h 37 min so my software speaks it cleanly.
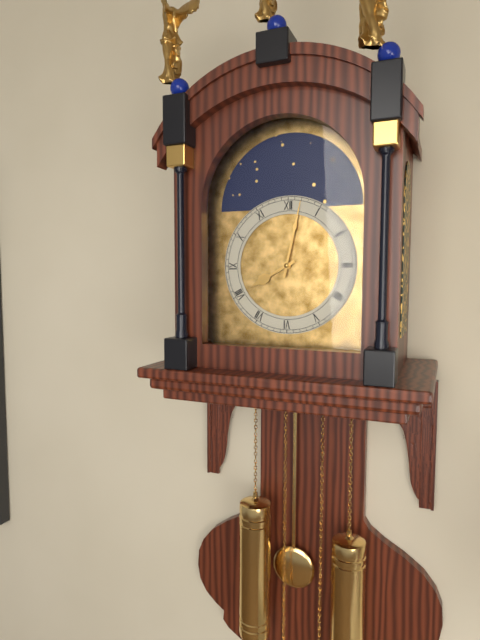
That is 8 h 02 min
